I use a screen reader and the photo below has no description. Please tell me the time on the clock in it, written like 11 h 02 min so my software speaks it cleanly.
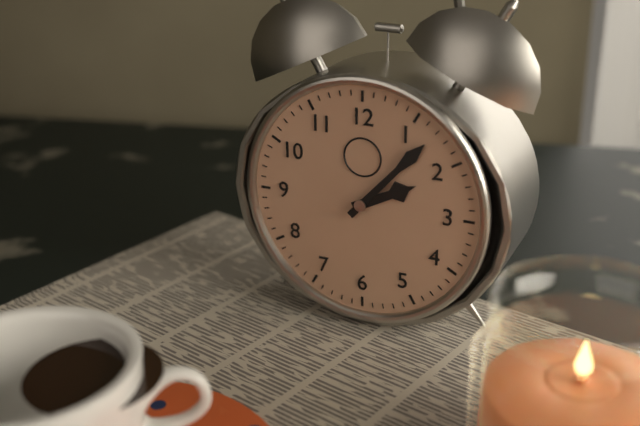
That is 2 h 07 min
